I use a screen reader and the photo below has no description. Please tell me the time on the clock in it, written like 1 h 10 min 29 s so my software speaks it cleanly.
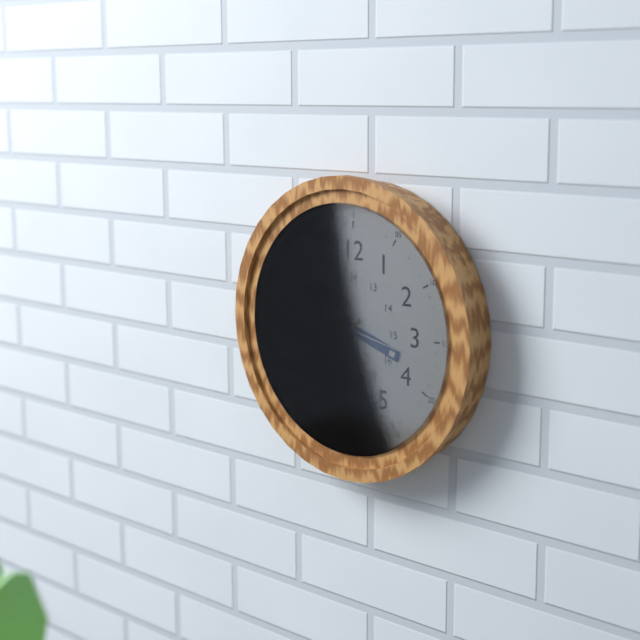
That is 3 h 38 min 17 s
